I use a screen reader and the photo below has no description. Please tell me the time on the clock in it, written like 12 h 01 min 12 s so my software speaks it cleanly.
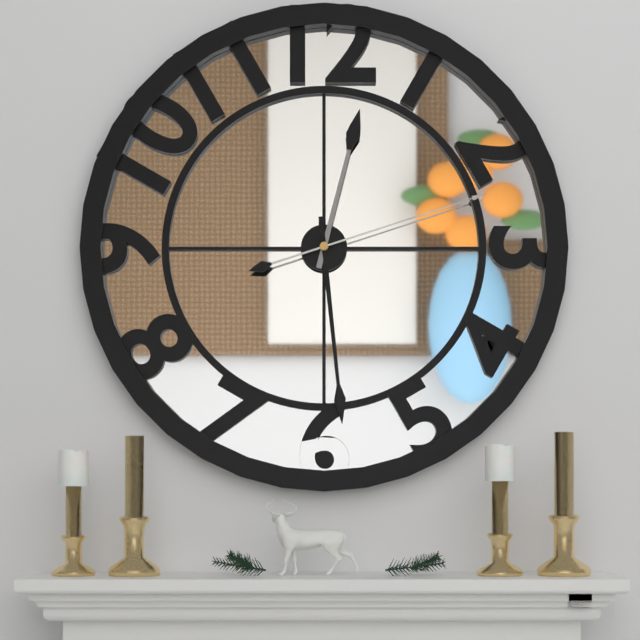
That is 12 h 29 min 12 s
